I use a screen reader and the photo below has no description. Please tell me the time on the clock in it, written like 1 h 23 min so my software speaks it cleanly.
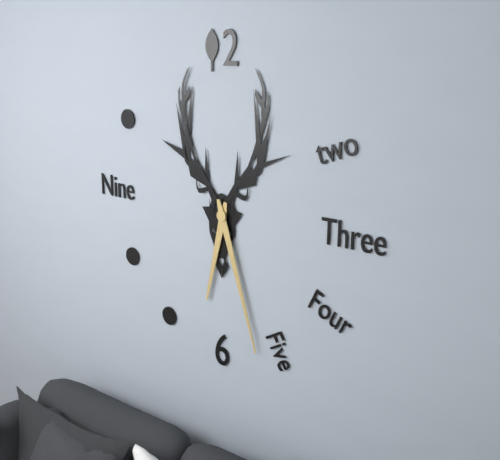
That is 6 h 27 min
